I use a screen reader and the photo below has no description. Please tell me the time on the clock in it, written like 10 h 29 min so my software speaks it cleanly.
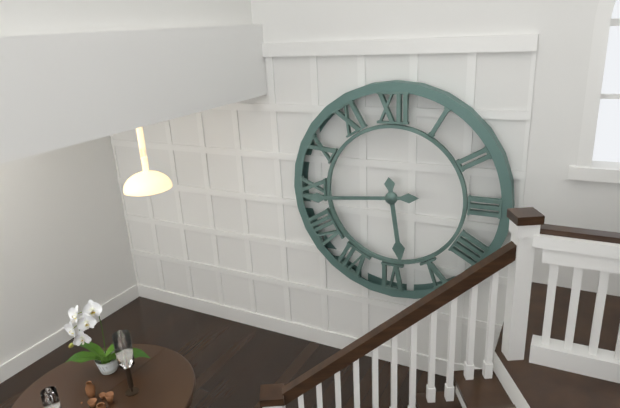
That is 5 h 44 min
